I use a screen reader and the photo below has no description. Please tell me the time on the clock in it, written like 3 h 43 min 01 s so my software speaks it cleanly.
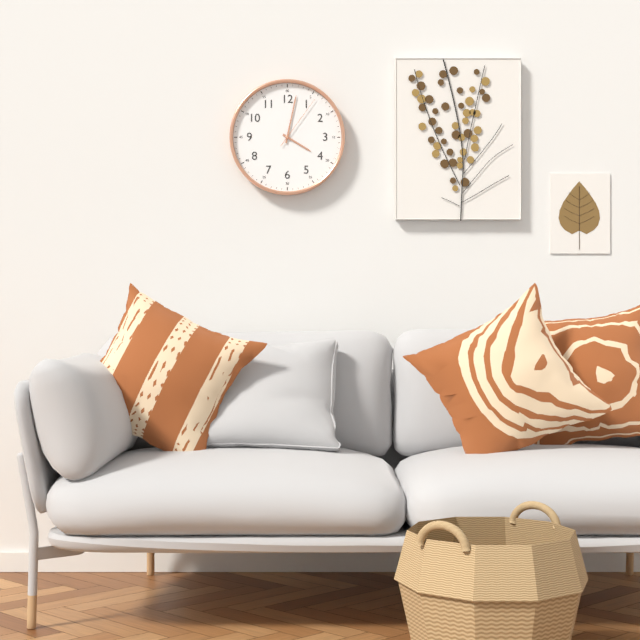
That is 4 h 02 min 06 s
